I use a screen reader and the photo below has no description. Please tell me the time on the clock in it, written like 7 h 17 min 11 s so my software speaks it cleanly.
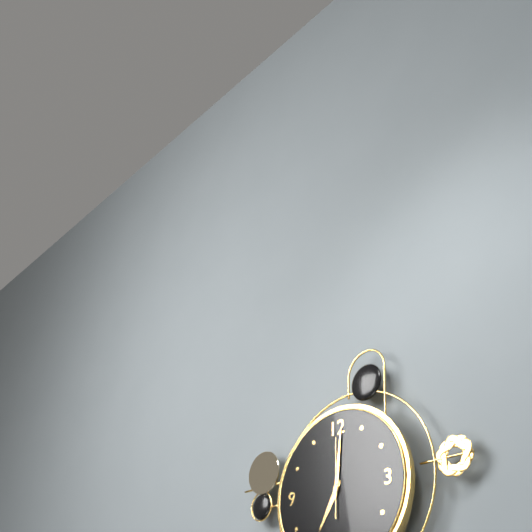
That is 7 h 01 min 00 s
